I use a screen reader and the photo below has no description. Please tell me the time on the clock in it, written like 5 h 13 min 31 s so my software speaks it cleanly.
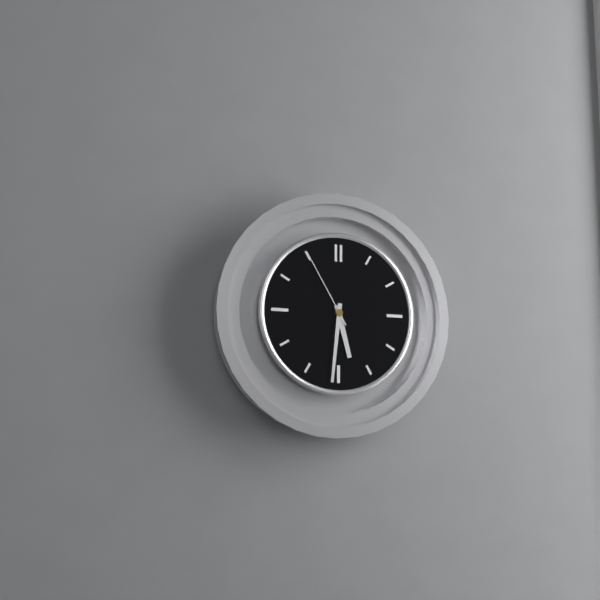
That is 5 h 31 min 55 s
